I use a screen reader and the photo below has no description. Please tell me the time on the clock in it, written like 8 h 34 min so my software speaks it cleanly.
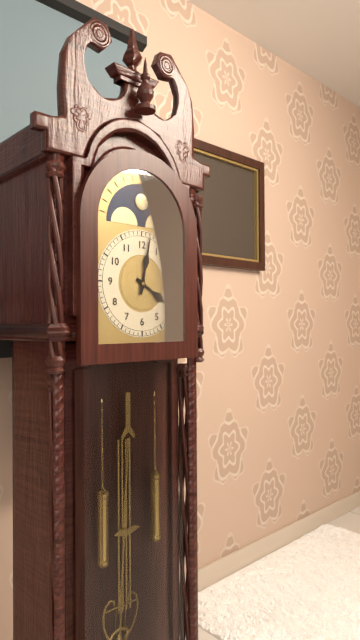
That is 4 h 02 min
